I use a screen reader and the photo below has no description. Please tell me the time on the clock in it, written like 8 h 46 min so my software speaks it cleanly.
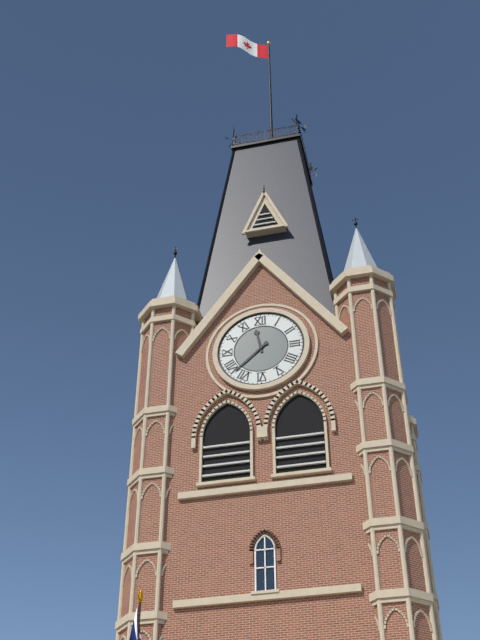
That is 11 h 38 min
